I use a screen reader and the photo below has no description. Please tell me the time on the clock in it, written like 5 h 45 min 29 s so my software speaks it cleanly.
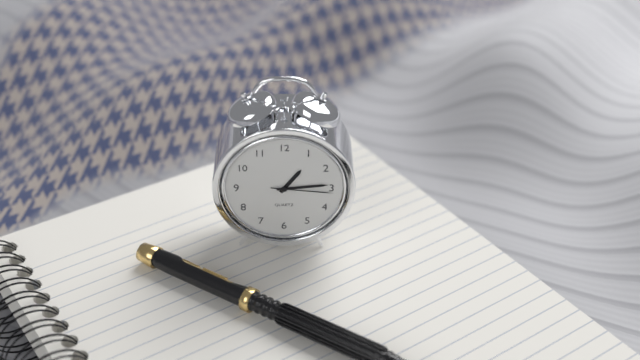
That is 1 h 14 min 16 s
